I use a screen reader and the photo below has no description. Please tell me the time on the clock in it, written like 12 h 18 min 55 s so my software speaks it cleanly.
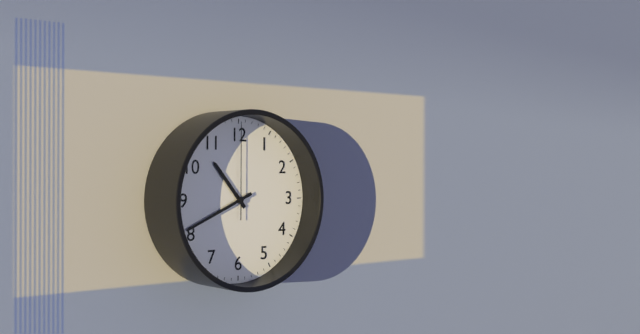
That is 10 h 41 min 00 s
